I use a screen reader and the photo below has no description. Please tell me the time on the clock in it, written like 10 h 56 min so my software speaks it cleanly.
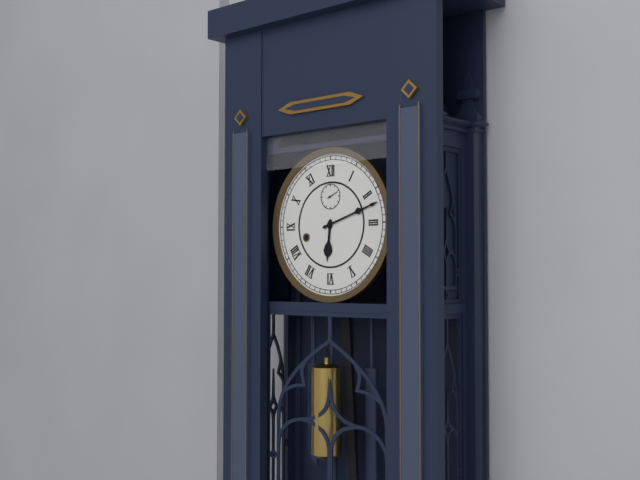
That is 6 h 12 min
